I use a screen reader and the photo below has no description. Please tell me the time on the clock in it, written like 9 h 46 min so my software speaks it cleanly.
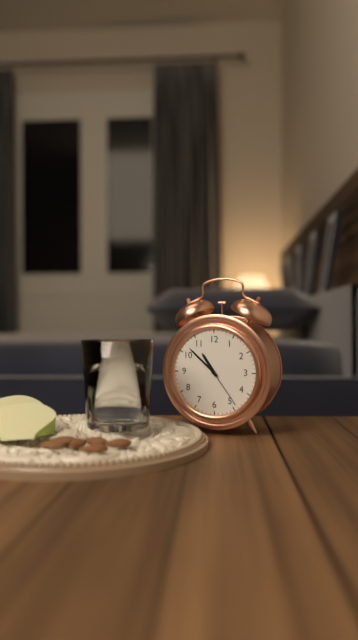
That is 10 h 52 min
